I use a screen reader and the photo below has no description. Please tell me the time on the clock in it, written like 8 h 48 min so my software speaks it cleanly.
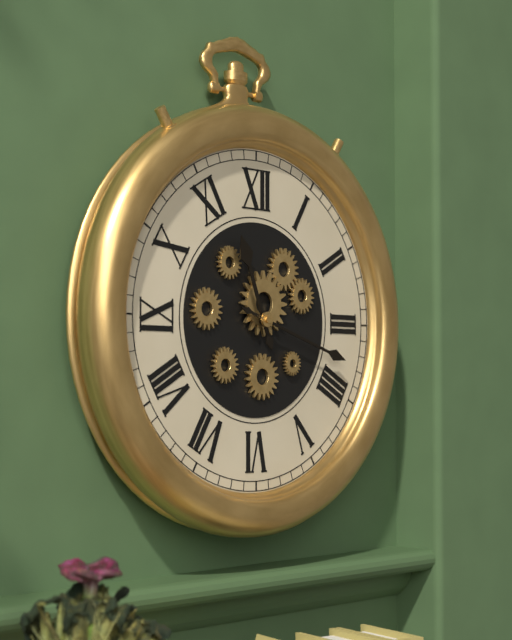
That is 11 h 18 min
